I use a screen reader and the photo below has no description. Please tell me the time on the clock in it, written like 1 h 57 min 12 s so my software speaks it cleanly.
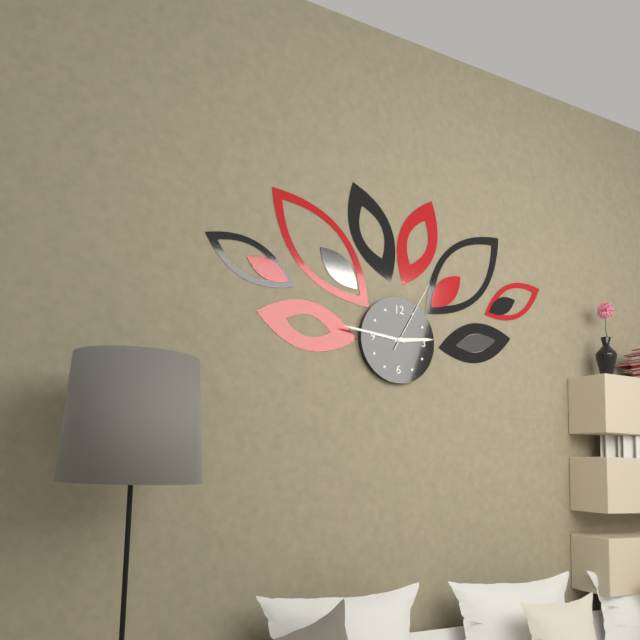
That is 2 h 46 min 05 s
